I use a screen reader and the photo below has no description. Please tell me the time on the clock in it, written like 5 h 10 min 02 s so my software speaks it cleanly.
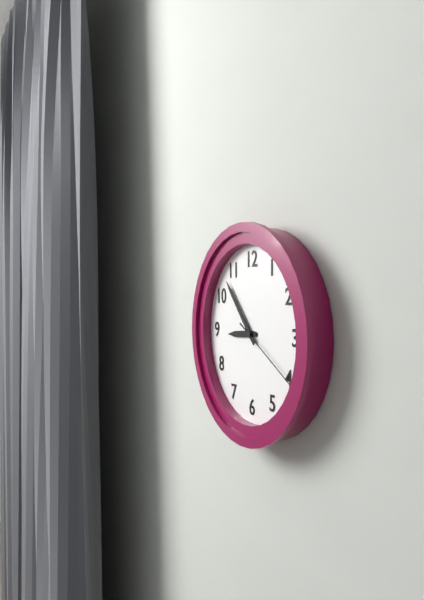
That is 8 h 53 min 20 s
